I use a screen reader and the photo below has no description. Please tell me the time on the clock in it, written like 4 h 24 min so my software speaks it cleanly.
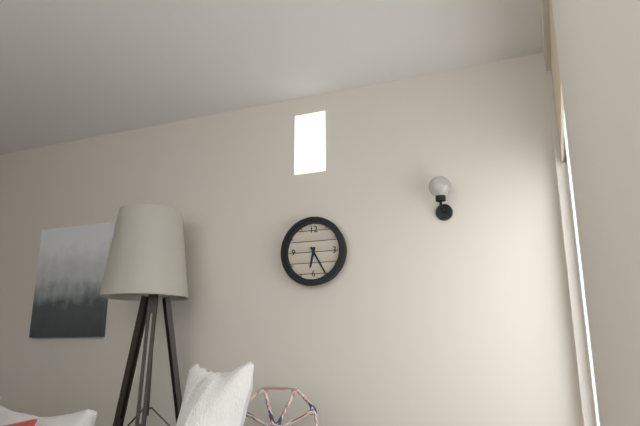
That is 6 h 25 min
